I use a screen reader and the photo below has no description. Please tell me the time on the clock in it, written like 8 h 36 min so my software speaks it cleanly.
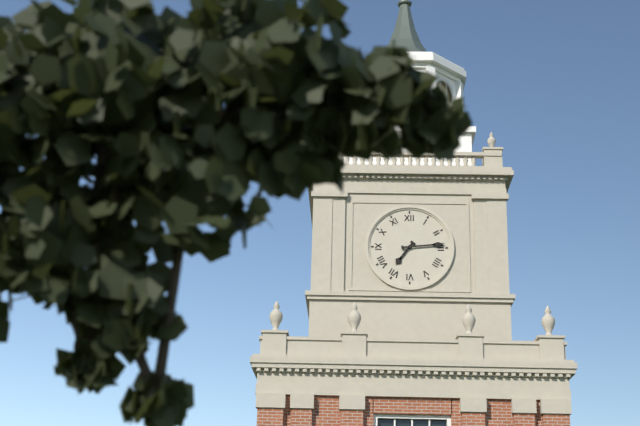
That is 7 h 14 min
